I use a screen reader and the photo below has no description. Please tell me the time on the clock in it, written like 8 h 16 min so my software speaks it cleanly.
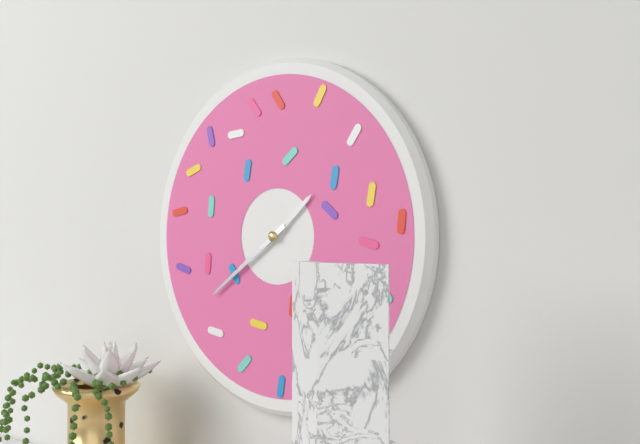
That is 1 h 39 min
